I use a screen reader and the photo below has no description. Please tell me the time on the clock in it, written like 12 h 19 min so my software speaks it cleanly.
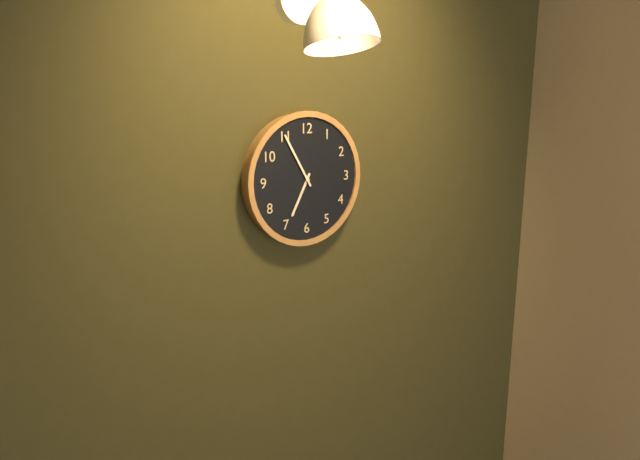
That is 6 h 55 min
